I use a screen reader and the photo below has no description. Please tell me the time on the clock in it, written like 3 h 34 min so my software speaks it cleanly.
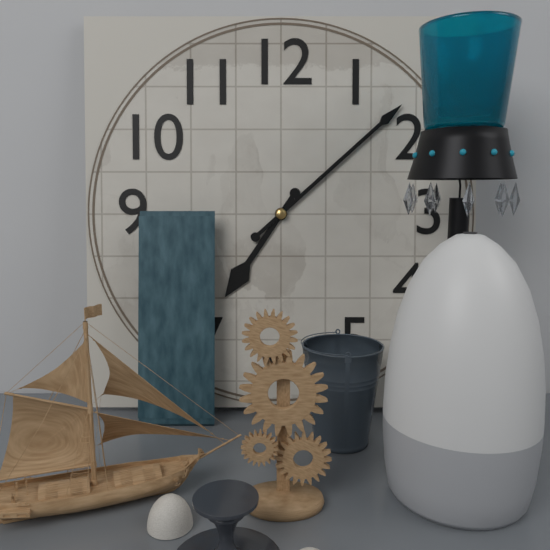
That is 7 h 08 min
